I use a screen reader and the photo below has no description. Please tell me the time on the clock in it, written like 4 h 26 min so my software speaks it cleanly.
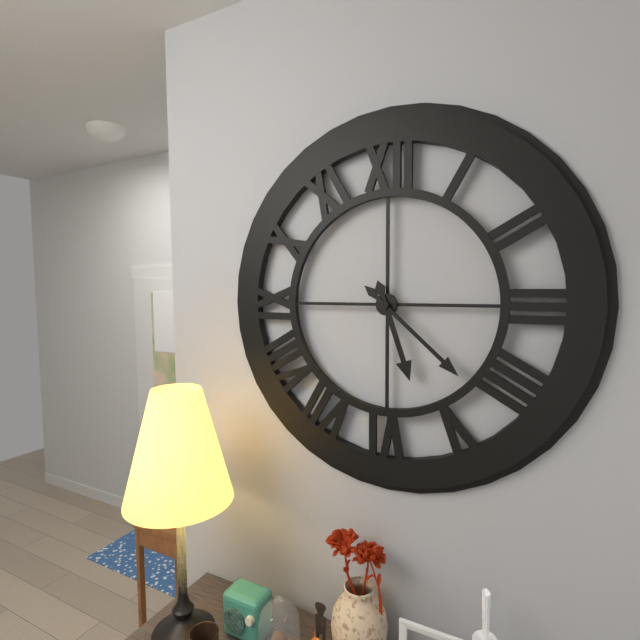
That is 5 h 22 min
